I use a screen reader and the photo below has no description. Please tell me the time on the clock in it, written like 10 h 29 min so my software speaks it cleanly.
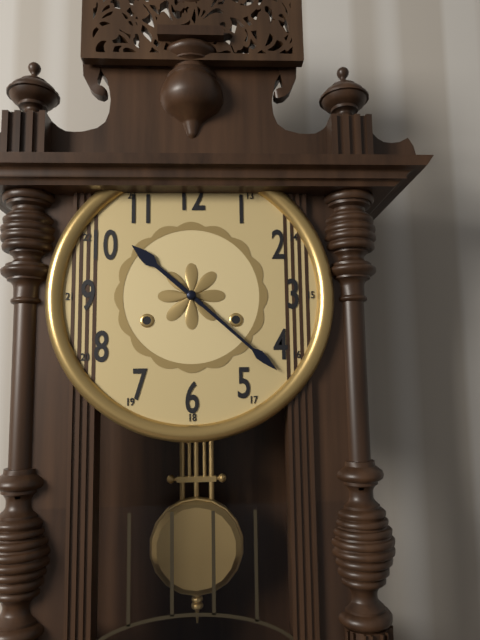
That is 10 h 22 min
